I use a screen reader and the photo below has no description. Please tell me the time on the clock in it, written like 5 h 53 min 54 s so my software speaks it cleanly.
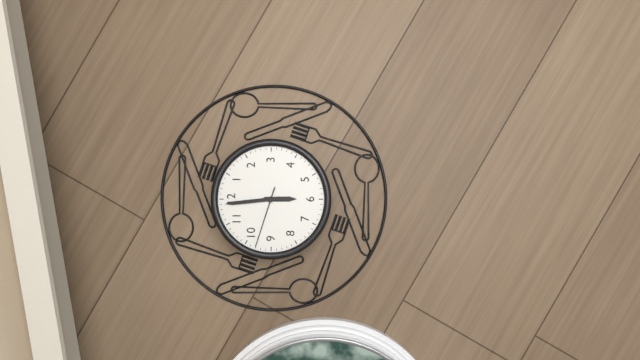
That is 5 h 59 min 48 s
